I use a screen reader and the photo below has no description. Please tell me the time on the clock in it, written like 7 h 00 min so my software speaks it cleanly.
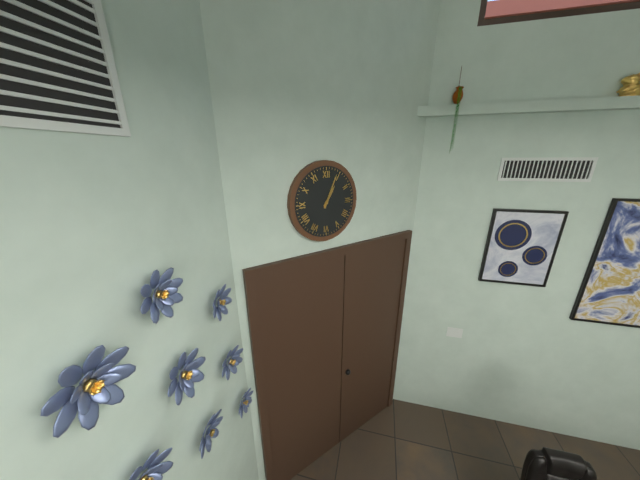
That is 1 h 04 min
